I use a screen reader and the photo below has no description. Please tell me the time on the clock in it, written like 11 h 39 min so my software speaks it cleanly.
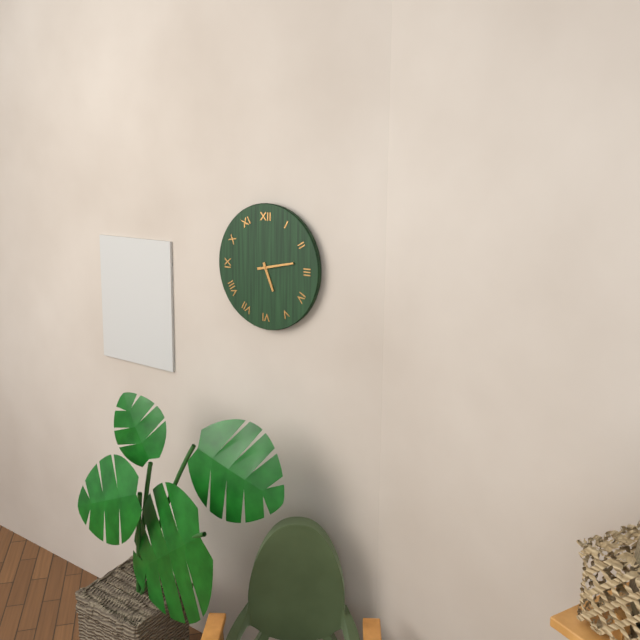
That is 5 h 13 min
